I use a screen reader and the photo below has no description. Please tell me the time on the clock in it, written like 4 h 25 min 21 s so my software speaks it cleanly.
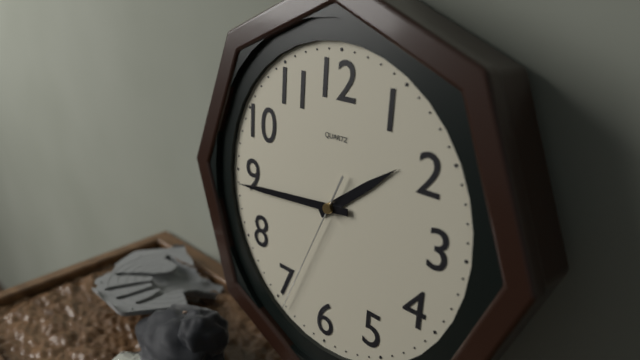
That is 1 h 44 min 34 s
